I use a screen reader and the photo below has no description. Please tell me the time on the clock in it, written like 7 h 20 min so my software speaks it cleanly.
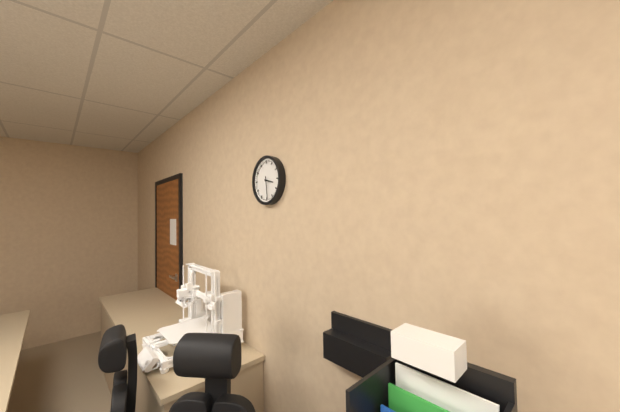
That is 3 h 29 min
